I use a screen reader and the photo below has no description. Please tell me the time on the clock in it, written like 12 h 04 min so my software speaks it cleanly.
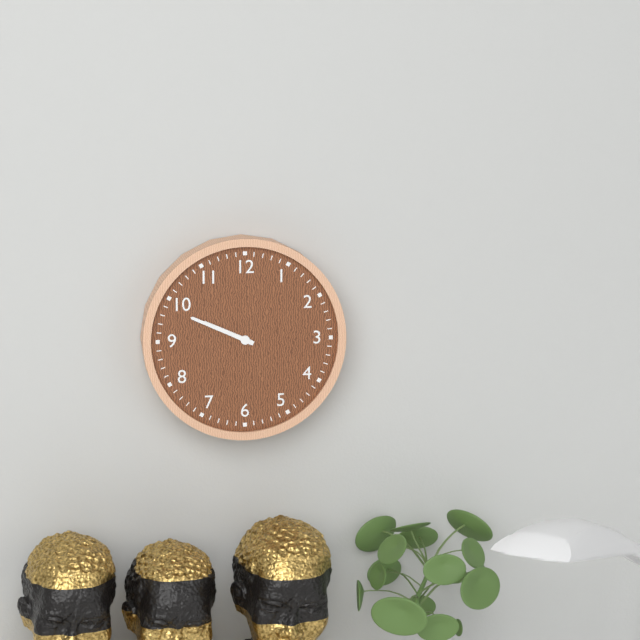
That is 9 h 49 min
